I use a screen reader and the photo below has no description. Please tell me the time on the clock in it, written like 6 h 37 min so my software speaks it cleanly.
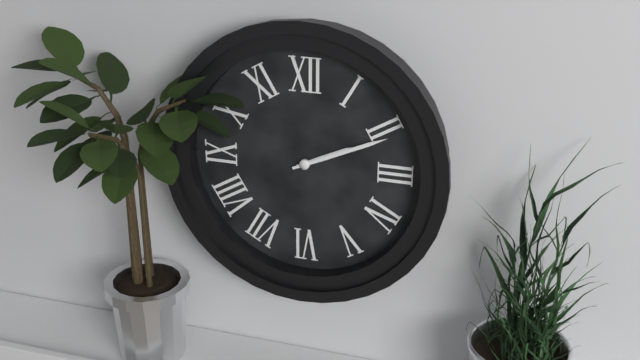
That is 2 h 11 min
